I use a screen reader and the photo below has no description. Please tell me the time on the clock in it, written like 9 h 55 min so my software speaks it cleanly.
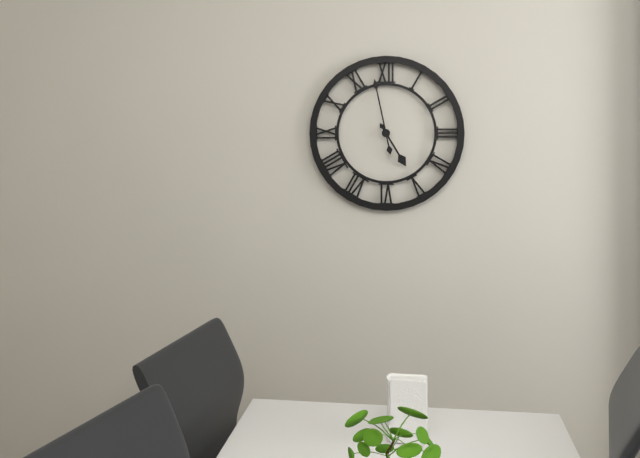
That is 4 h 58 min
